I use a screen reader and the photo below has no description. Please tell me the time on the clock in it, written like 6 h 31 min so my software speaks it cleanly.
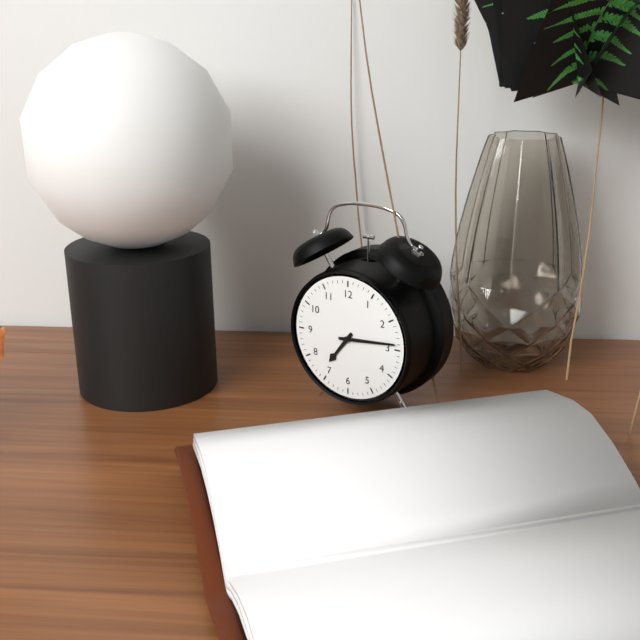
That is 7 h 14 min
